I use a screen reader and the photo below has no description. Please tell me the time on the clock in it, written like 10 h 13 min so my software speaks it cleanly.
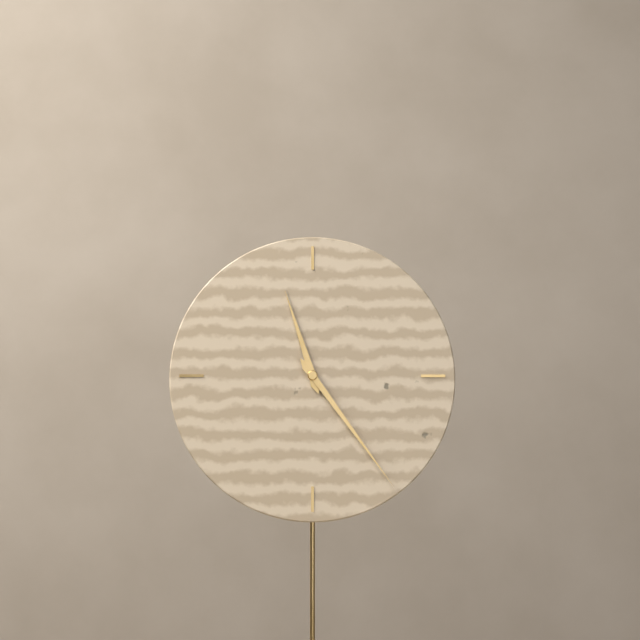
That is 11 h 24 min
